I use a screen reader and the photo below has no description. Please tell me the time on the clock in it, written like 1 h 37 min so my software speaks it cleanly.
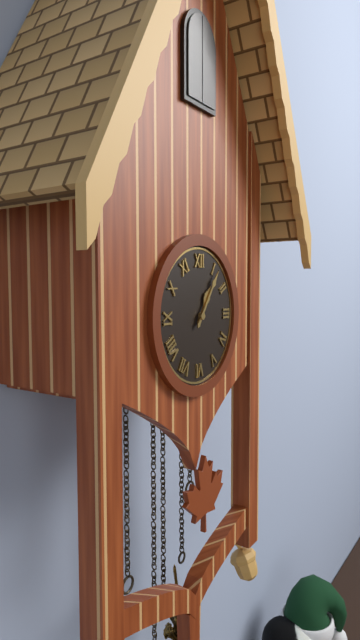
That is 1 h 06 min
